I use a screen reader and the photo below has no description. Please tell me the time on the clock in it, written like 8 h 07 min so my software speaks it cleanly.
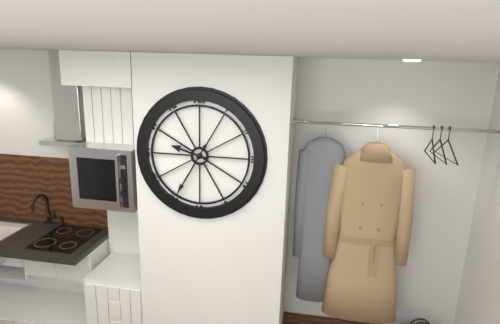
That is 9 h 35 min
